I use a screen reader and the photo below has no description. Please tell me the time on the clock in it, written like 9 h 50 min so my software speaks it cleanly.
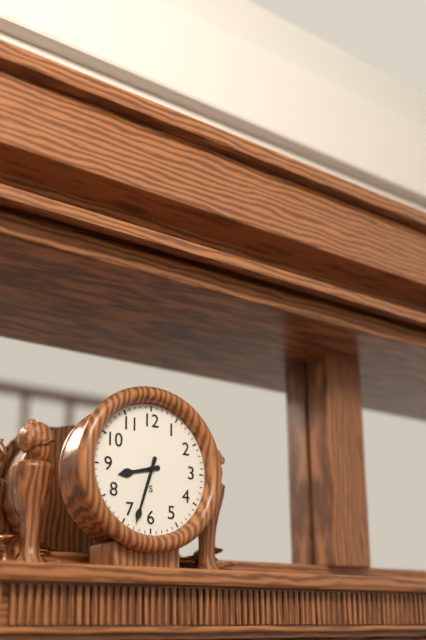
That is 8 h 33 min
